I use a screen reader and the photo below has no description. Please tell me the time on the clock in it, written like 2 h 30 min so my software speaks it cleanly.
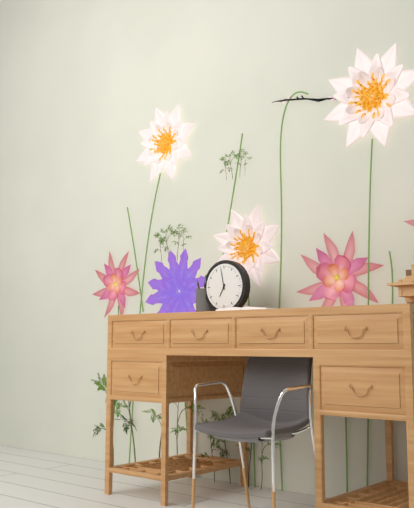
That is 6 h 58 min
